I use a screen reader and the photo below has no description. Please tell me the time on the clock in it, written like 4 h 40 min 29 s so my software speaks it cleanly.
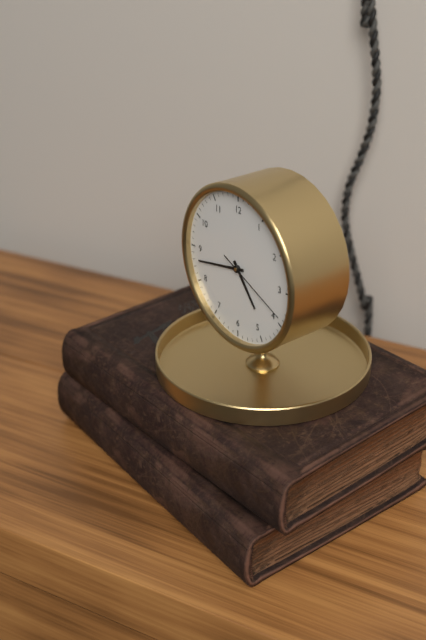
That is 4 h 43 min 19 s
